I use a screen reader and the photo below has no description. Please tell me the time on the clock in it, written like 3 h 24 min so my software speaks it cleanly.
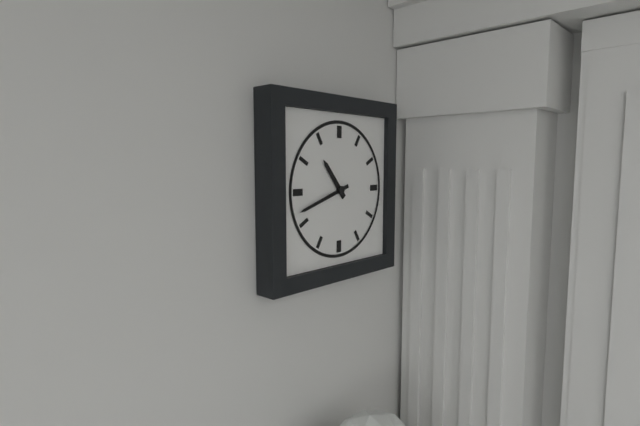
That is 10 h 42 min
